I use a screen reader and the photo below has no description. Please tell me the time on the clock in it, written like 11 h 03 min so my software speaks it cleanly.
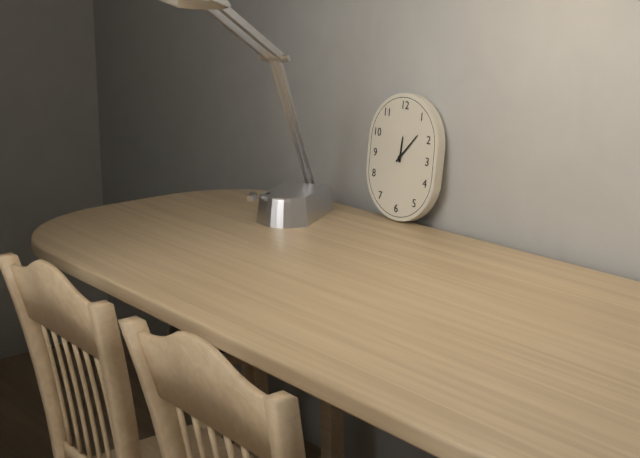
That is 12 h 07 min
